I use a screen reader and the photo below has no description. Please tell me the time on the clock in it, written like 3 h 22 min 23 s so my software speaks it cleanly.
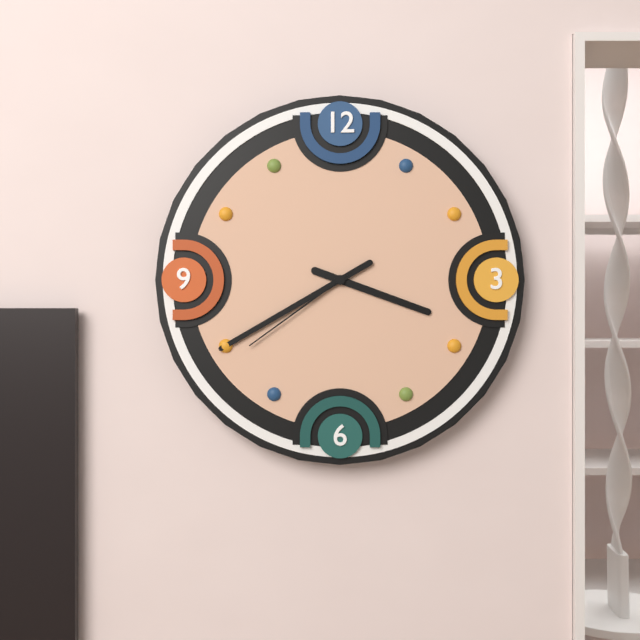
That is 3 h 40 min 39 s
